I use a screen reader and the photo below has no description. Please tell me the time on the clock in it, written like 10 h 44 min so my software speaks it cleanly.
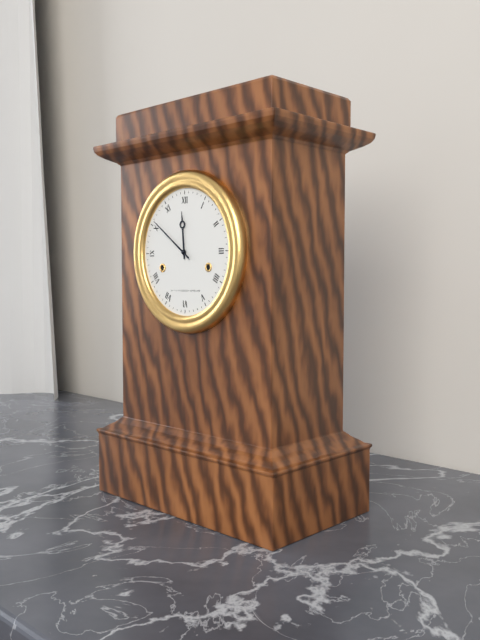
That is 11 h 51 min
